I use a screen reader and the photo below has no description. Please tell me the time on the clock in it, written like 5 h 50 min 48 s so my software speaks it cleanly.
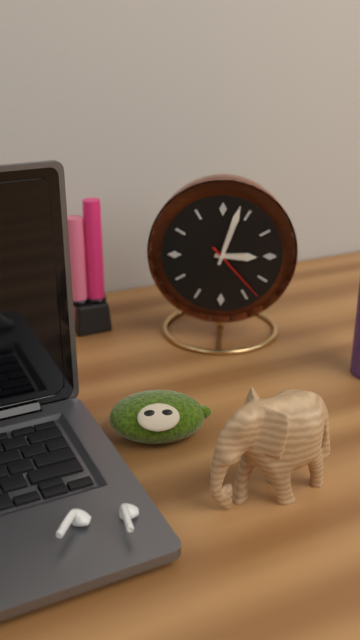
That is 3 h 03 min 23 s
